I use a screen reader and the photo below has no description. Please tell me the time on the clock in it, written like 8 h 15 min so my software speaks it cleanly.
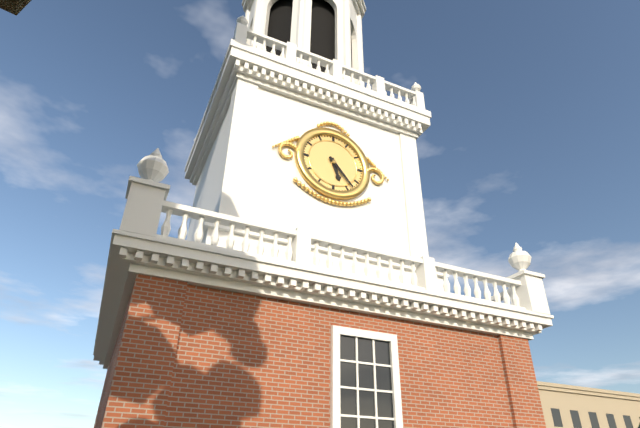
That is 5 h 23 min
